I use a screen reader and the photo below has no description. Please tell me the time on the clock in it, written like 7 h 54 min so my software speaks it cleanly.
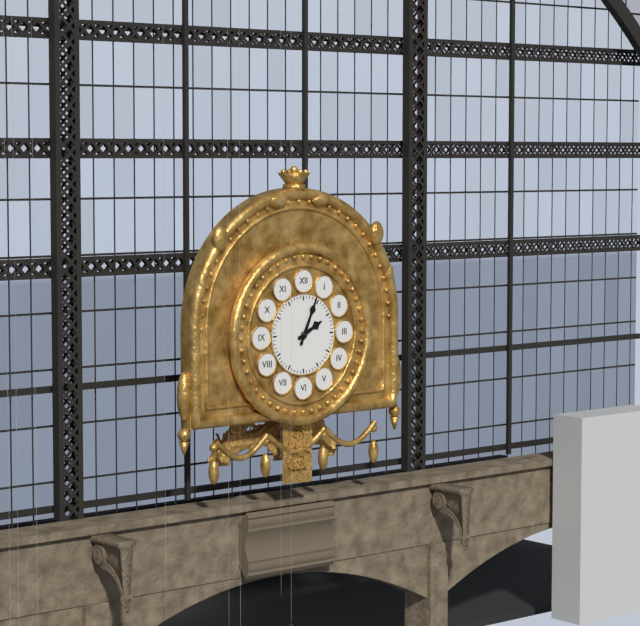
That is 2 h 04 min
